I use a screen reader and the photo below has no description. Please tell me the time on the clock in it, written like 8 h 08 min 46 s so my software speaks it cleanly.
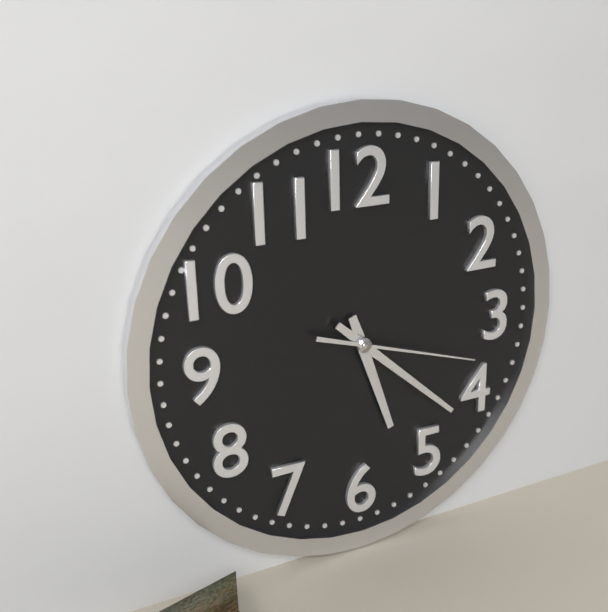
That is 5 h 22 min 18 s
